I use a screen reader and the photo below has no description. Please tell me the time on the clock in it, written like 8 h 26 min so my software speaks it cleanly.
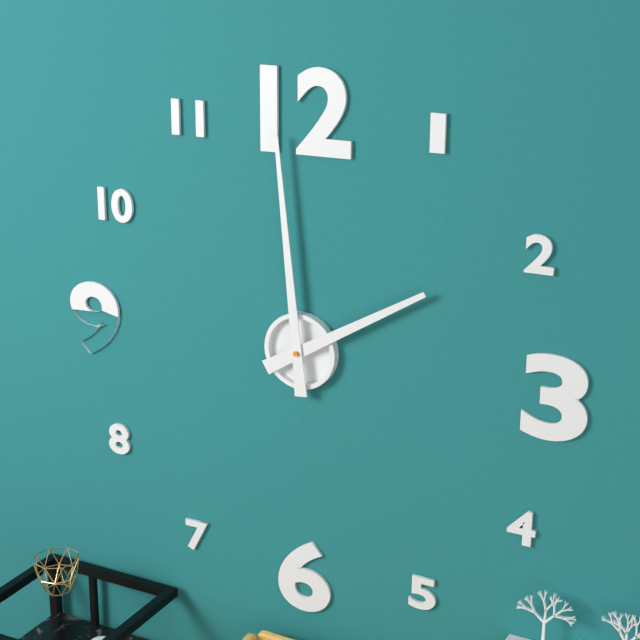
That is 1 h 59 min
